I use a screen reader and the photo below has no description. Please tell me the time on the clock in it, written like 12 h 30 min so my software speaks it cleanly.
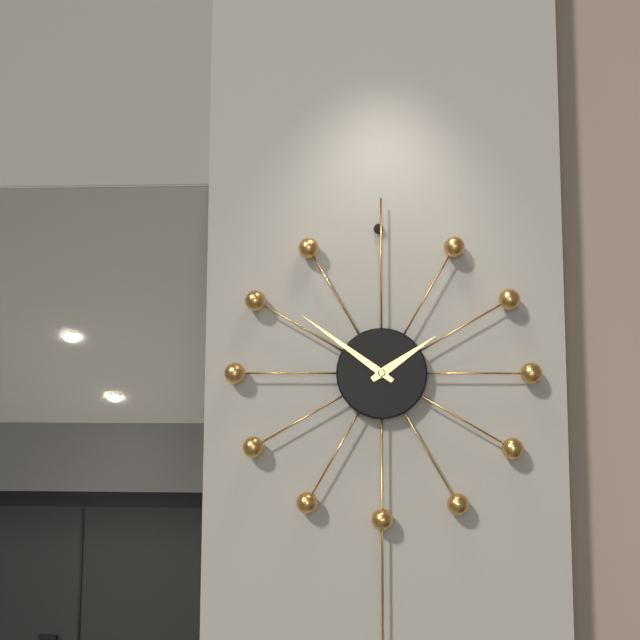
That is 1 h 51 min
